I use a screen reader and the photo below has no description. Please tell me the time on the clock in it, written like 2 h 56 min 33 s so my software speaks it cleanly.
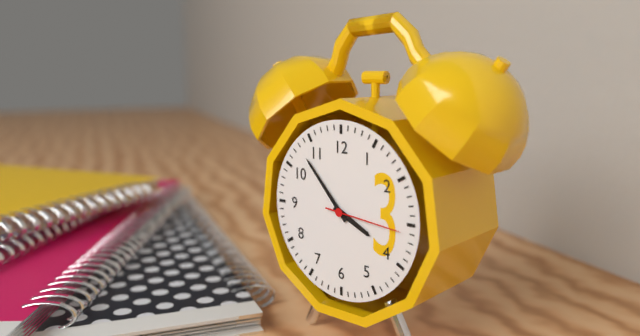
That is 3 h 53 min 16 s
